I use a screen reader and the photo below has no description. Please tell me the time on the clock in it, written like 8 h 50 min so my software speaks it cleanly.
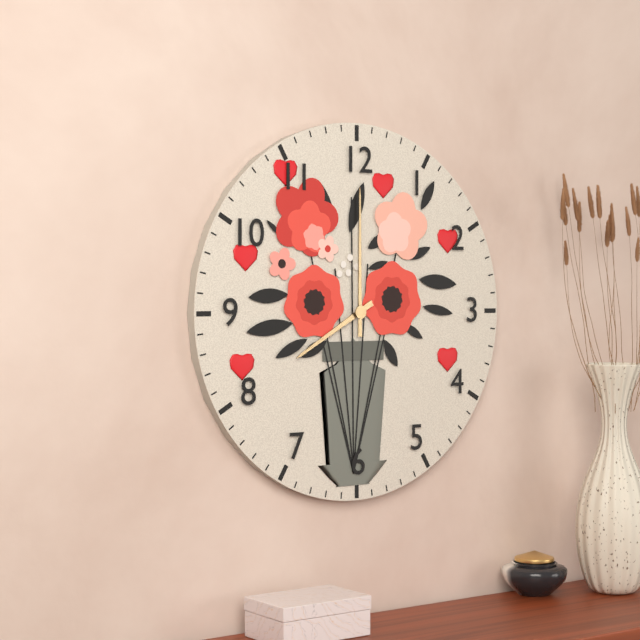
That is 8 h 00 min
